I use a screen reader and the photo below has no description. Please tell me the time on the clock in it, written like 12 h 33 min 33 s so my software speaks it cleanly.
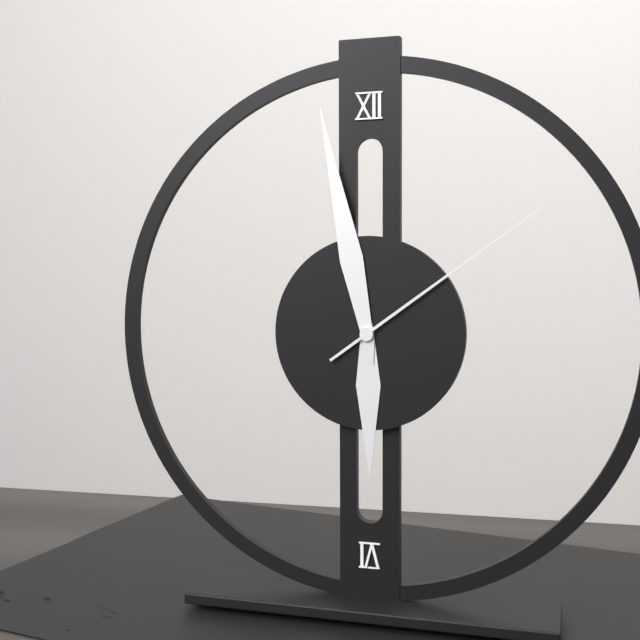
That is 5 h 58 min 09 s
